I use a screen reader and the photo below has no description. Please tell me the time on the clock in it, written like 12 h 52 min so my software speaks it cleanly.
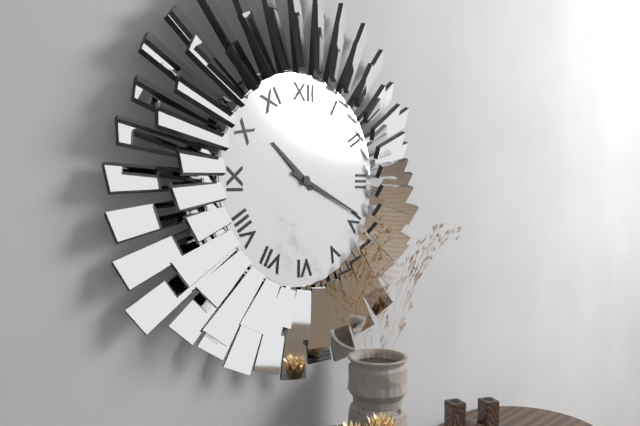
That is 10 h 19 min
